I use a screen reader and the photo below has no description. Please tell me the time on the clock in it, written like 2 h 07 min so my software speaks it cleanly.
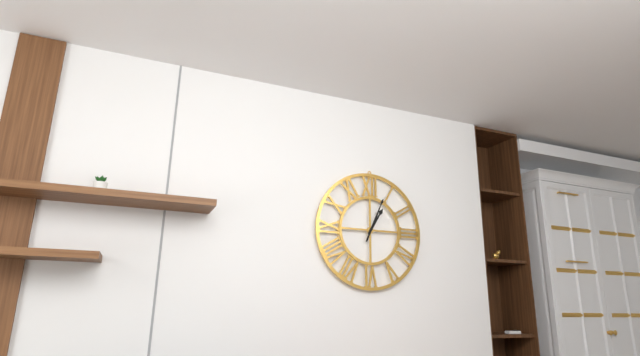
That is 1 h 04 min
